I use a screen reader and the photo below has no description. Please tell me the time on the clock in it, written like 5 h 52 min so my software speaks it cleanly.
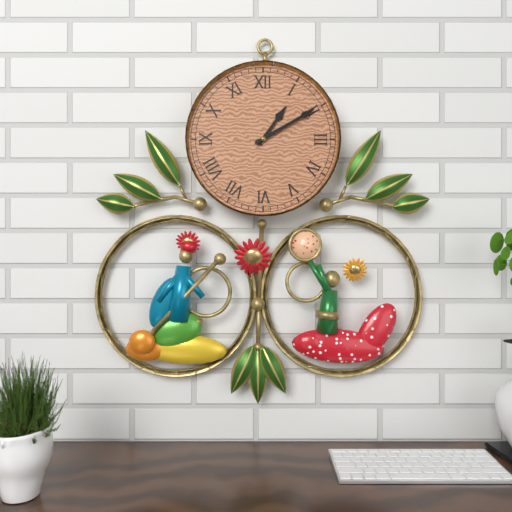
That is 1 h 10 min
